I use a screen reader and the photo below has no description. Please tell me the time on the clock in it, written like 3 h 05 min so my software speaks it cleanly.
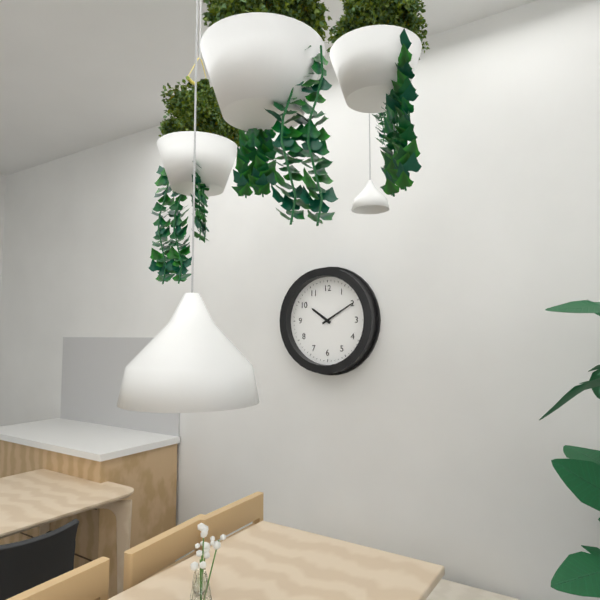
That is 10 h 10 min
